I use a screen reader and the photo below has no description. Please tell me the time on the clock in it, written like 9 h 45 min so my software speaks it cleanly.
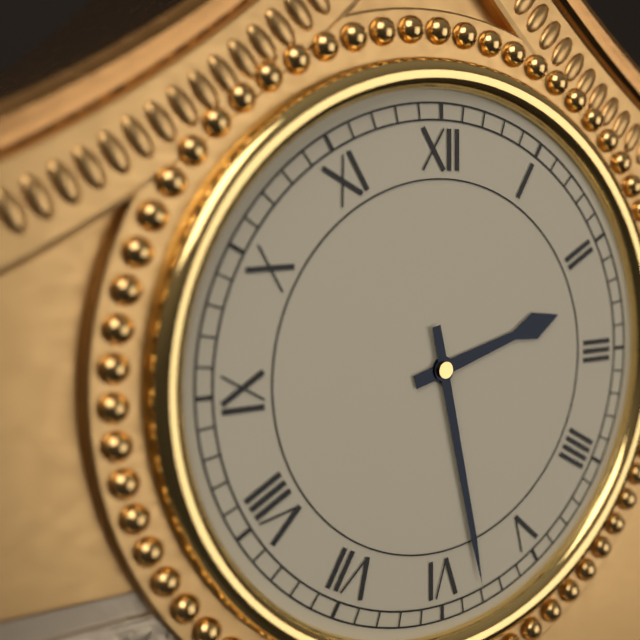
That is 2 h 28 min
